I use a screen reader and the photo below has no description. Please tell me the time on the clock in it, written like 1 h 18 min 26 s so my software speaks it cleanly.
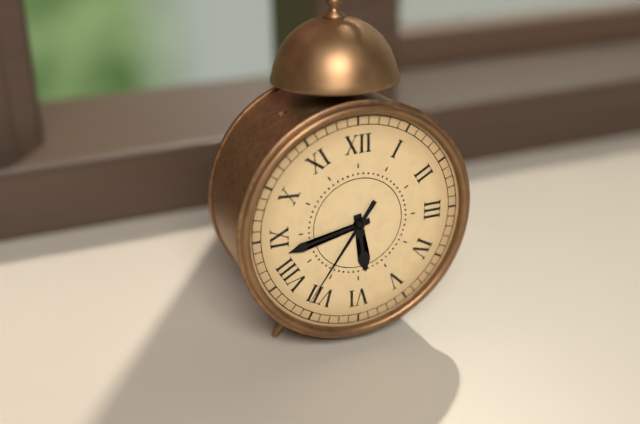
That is 5 h 43 min 36 s
